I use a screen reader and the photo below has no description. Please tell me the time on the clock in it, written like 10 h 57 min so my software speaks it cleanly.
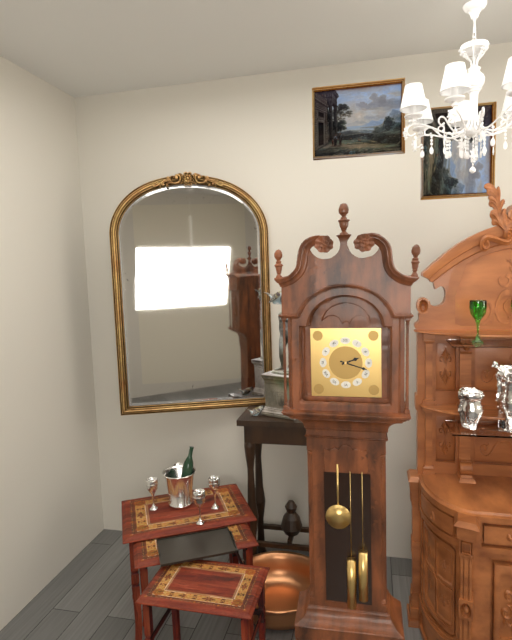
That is 2 h 18 min
